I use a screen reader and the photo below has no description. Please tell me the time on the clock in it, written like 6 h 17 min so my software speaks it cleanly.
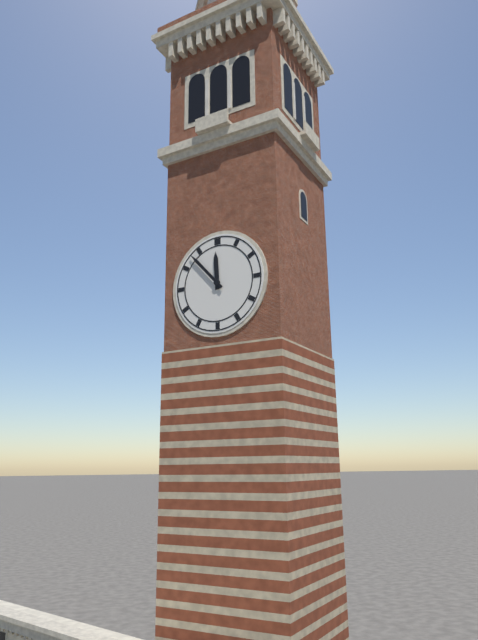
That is 11 h 53 min
